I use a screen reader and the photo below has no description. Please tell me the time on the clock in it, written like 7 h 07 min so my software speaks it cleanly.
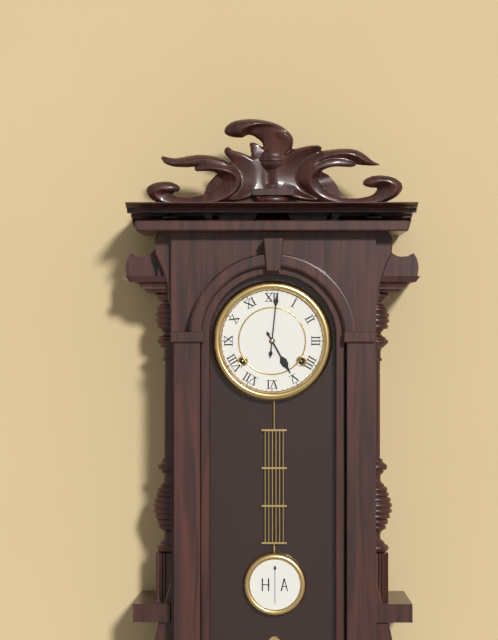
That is 5 h 01 min
